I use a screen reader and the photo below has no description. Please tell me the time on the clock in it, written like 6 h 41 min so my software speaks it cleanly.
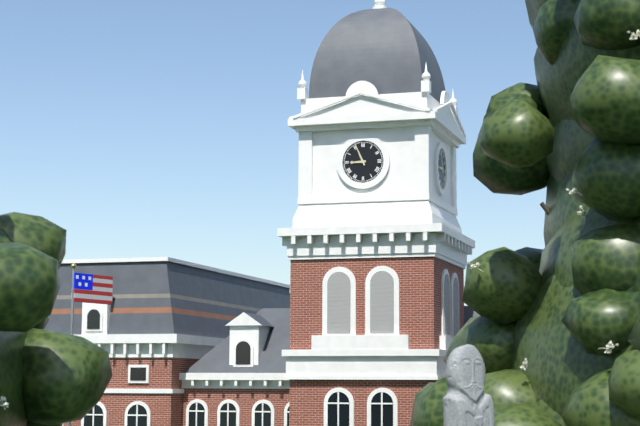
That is 8 h 56 min
